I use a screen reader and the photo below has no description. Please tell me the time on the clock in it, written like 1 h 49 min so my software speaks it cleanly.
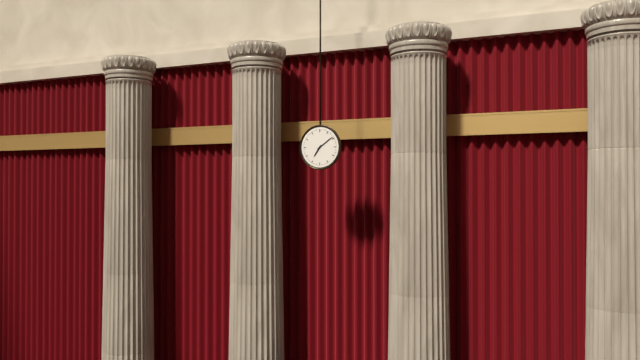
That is 7 h 09 min
